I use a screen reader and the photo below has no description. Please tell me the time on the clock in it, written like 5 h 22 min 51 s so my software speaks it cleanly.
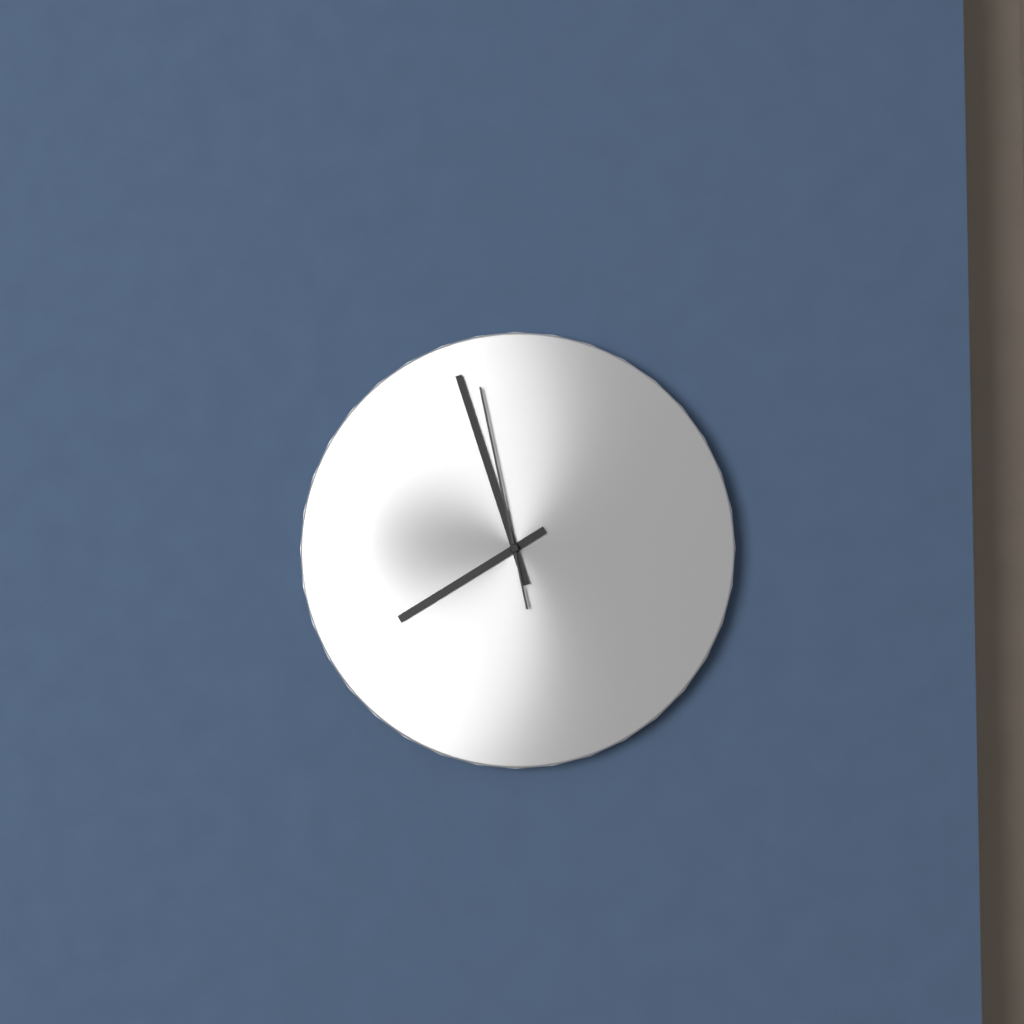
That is 7 h 57 min 58 s
